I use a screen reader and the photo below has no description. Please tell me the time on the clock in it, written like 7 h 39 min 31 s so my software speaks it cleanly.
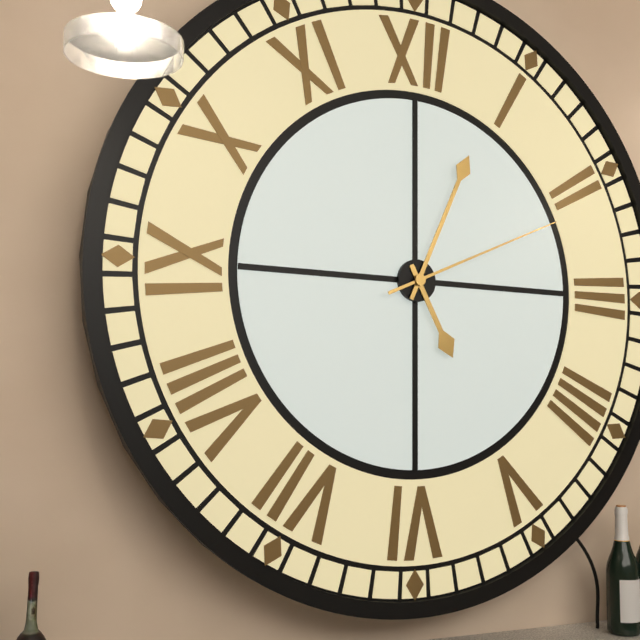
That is 5 h 04 min 11 s
